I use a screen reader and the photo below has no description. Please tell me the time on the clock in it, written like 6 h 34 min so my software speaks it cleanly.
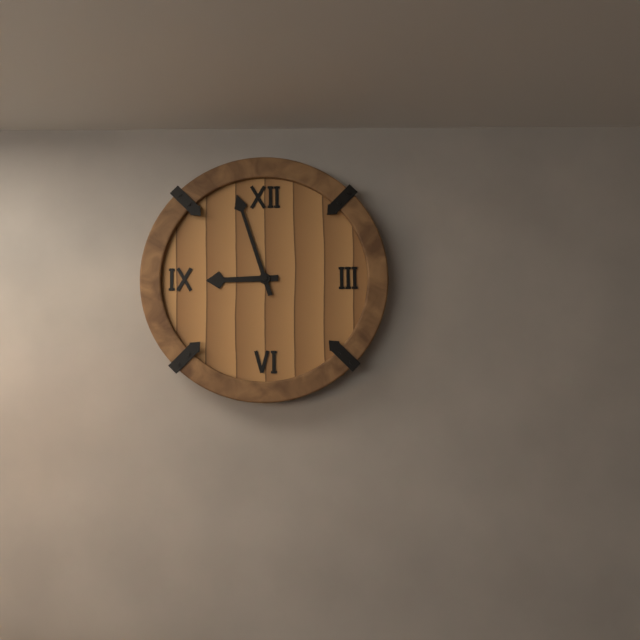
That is 8 h 57 min
